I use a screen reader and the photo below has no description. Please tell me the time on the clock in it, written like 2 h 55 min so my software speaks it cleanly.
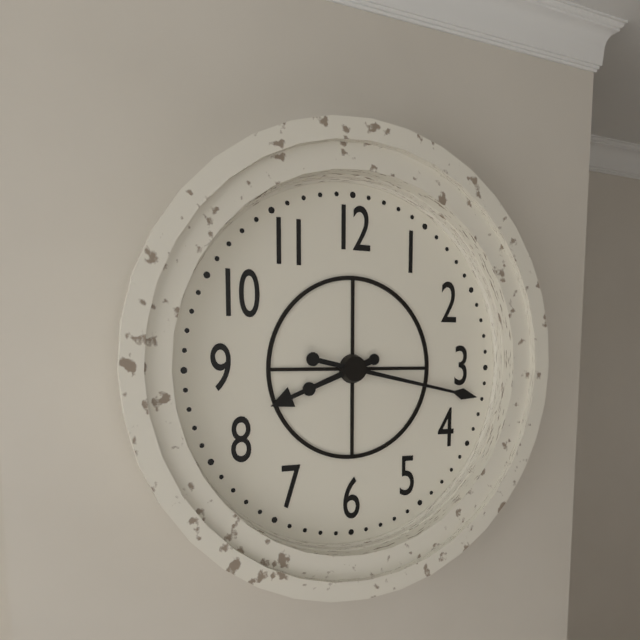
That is 8 h 17 min
